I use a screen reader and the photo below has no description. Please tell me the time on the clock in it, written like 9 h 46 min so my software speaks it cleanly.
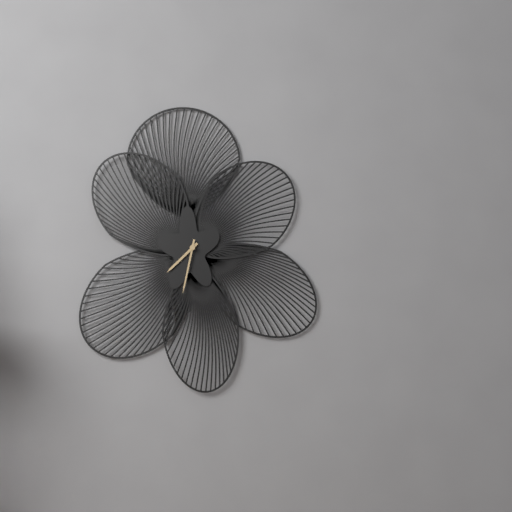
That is 7 h 32 min
